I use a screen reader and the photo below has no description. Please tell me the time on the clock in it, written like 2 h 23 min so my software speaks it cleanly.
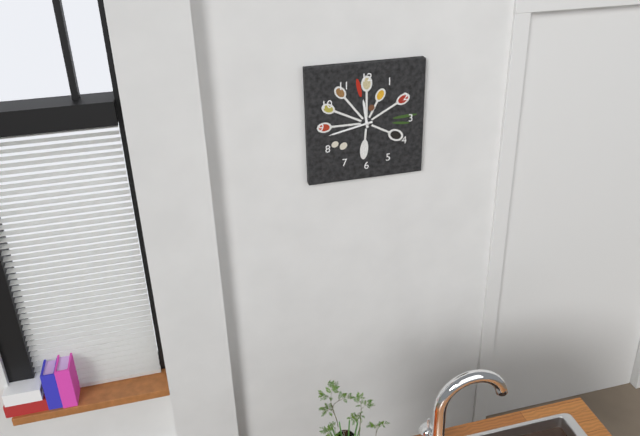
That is 11 h 43 min
